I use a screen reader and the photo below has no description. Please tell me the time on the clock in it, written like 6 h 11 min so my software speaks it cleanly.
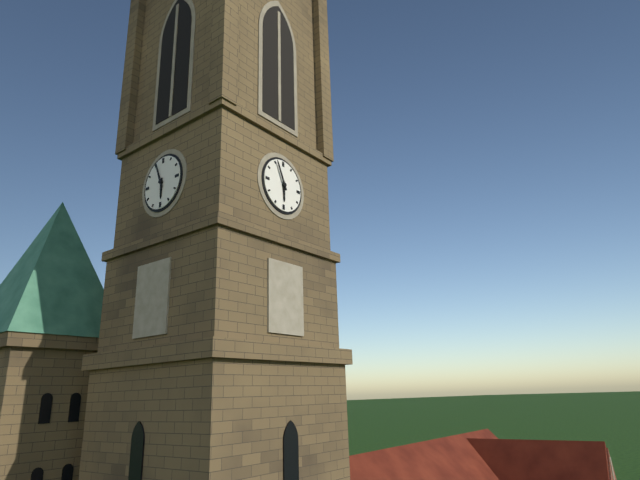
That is 5 h 56 min
